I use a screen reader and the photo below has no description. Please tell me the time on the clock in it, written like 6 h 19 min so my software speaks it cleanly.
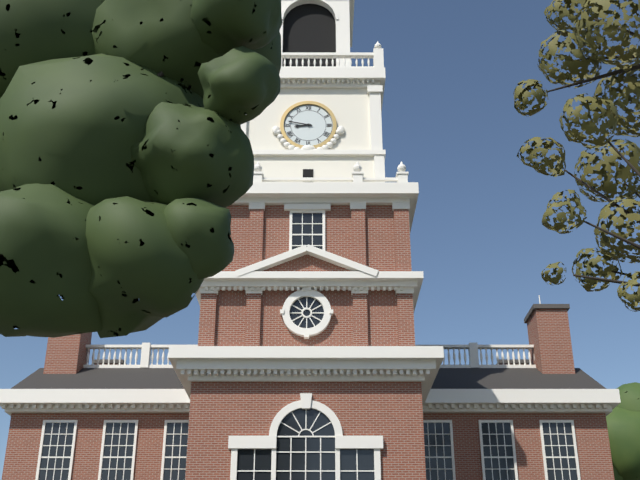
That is 8 h 47 min
